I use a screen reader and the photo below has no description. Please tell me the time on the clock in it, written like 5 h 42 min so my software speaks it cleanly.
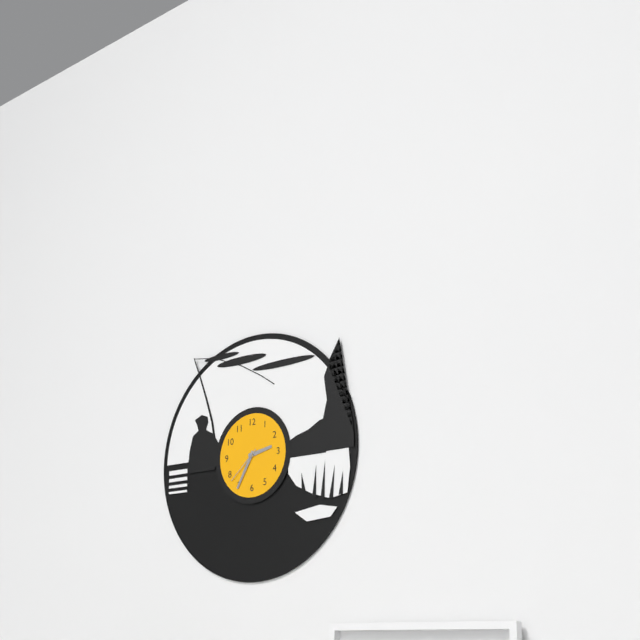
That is 2 h 35 min
